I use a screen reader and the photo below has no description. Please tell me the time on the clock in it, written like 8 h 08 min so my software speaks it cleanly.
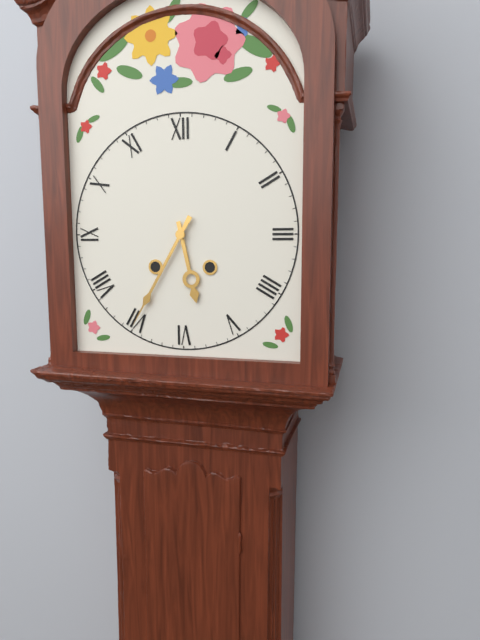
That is 5 h 35 min
